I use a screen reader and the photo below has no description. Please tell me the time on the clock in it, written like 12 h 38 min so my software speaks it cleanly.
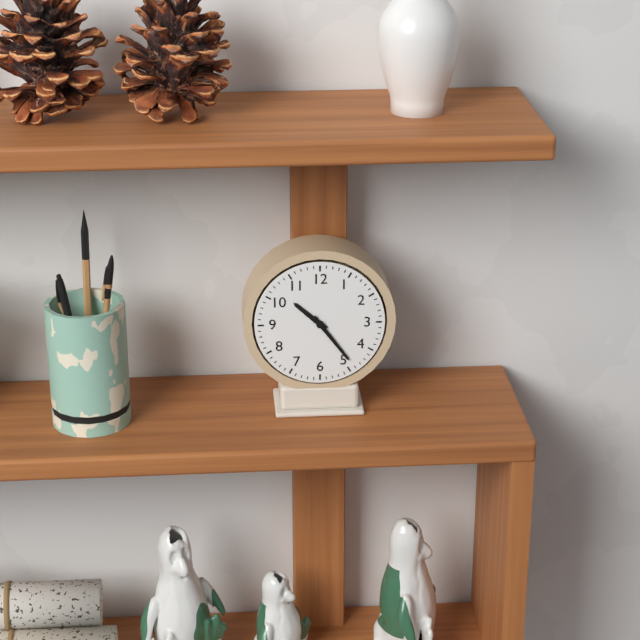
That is 10 h 24 min
